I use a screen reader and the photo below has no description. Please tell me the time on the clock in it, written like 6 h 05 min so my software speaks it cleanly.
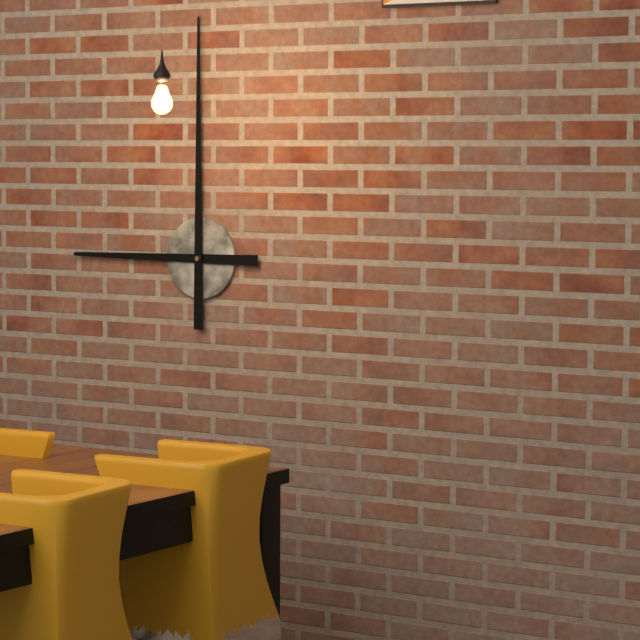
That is 9 h 00 min
